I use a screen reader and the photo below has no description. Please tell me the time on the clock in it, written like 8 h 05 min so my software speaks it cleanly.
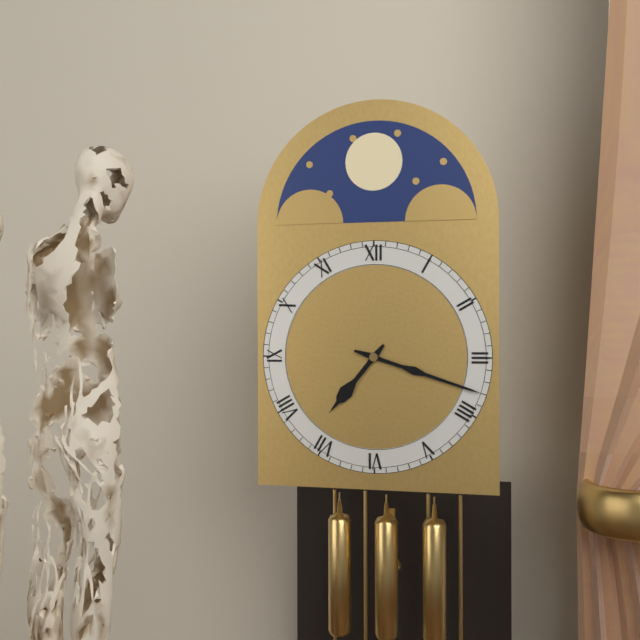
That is 7 h 18 min
